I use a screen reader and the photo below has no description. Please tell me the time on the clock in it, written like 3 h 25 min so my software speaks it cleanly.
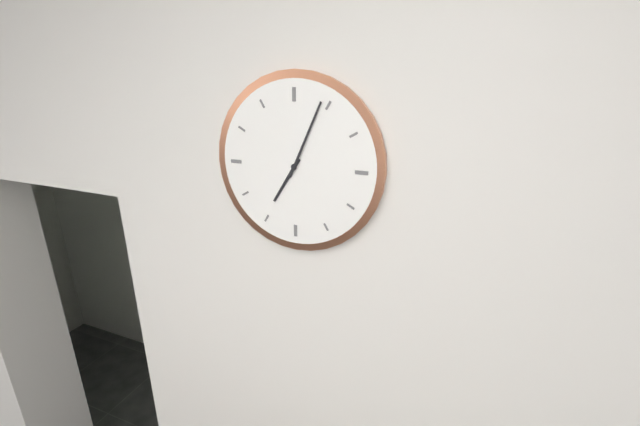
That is 7 h 04 min
